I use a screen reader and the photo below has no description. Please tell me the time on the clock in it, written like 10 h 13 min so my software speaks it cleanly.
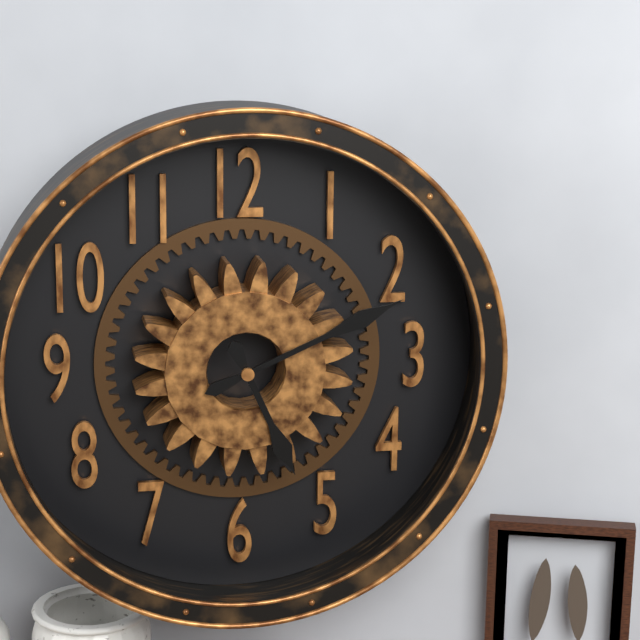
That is 5 h 11 min
